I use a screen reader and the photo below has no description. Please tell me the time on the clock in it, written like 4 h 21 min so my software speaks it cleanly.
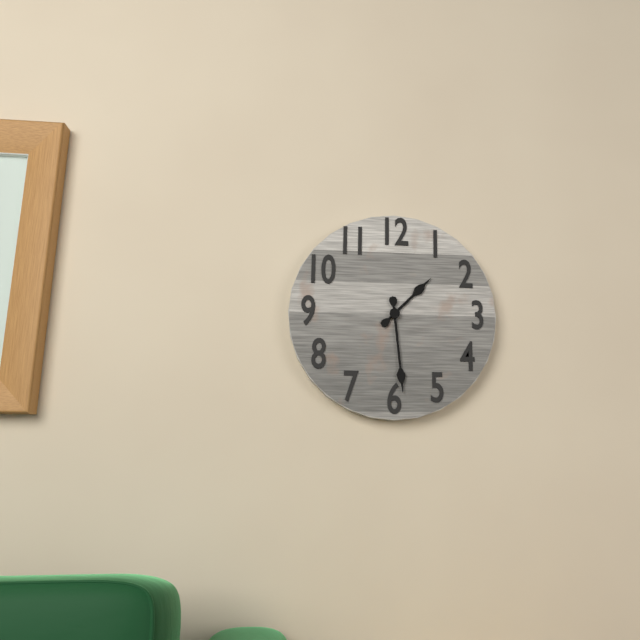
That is 1 h 29 min
